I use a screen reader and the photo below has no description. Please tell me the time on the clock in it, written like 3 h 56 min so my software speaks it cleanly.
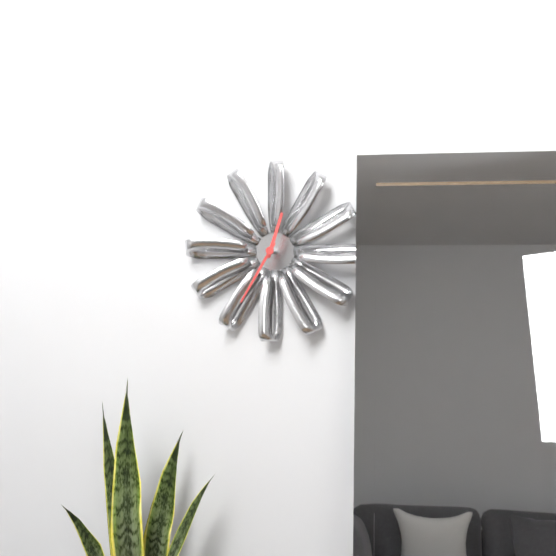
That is 12 h 35 min
